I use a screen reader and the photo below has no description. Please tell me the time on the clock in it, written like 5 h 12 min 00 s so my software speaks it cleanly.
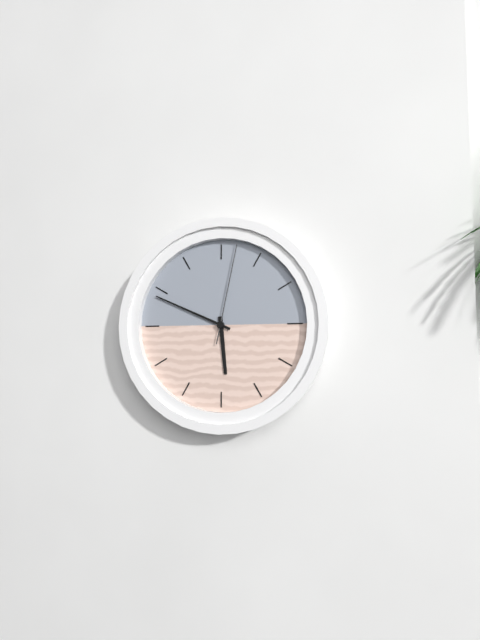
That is 5 h 49 min 02 s
